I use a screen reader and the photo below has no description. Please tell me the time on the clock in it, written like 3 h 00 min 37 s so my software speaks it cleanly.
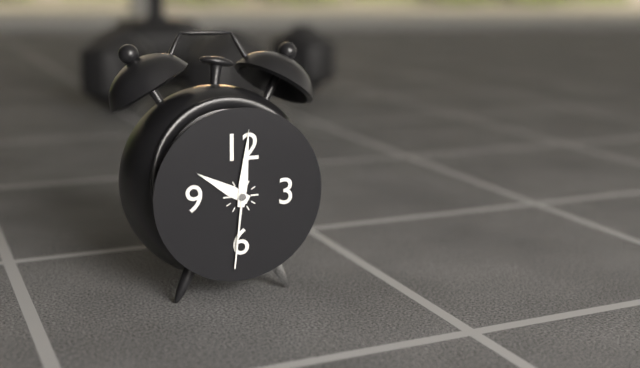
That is 10 h 01 min 31 s
